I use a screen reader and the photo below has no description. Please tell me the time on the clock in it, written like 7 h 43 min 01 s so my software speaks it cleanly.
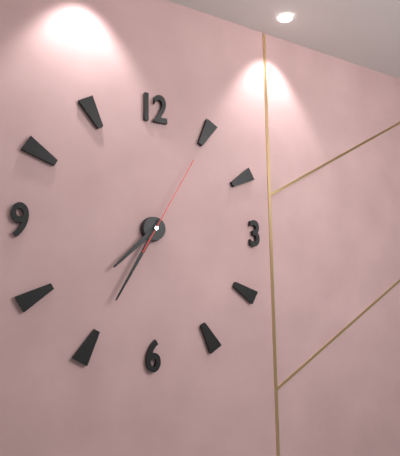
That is 7 h 35 min 05 s
